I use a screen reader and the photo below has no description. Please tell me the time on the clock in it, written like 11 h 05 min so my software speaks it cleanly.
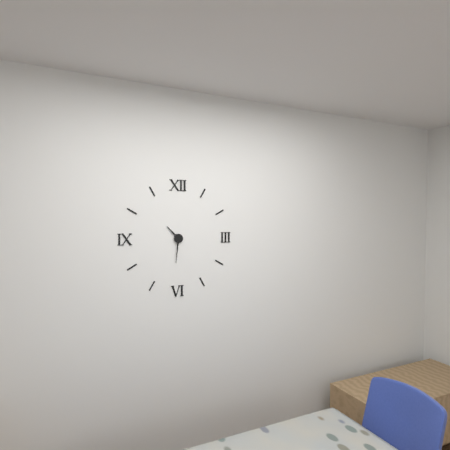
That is 10 h 31 min
